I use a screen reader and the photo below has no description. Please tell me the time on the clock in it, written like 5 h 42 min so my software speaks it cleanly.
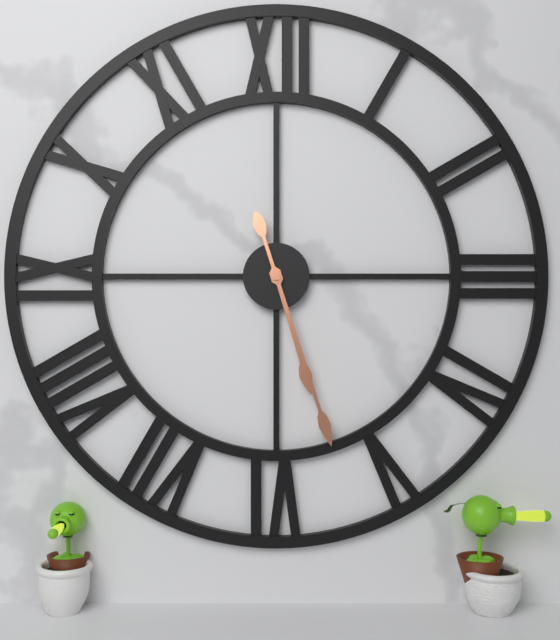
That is 5 h 27 min
